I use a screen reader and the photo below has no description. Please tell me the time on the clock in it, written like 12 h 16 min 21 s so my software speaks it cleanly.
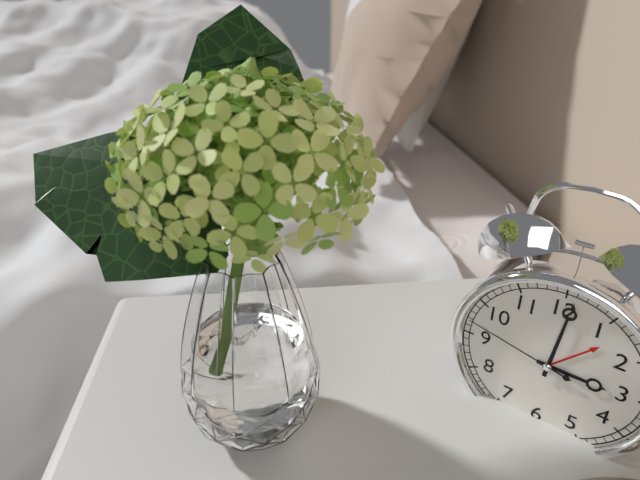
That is 3 h 01 min 47 s
